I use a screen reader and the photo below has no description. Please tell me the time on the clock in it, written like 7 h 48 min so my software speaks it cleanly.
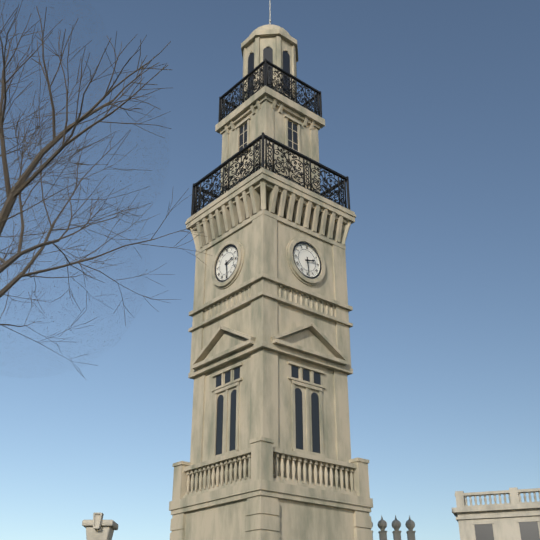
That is 2 h 29 min
